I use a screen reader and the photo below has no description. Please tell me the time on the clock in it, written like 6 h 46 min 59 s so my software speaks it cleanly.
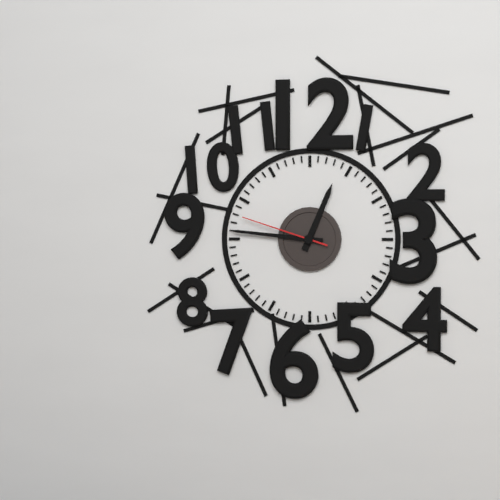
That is 12 h 46 min 48 s
